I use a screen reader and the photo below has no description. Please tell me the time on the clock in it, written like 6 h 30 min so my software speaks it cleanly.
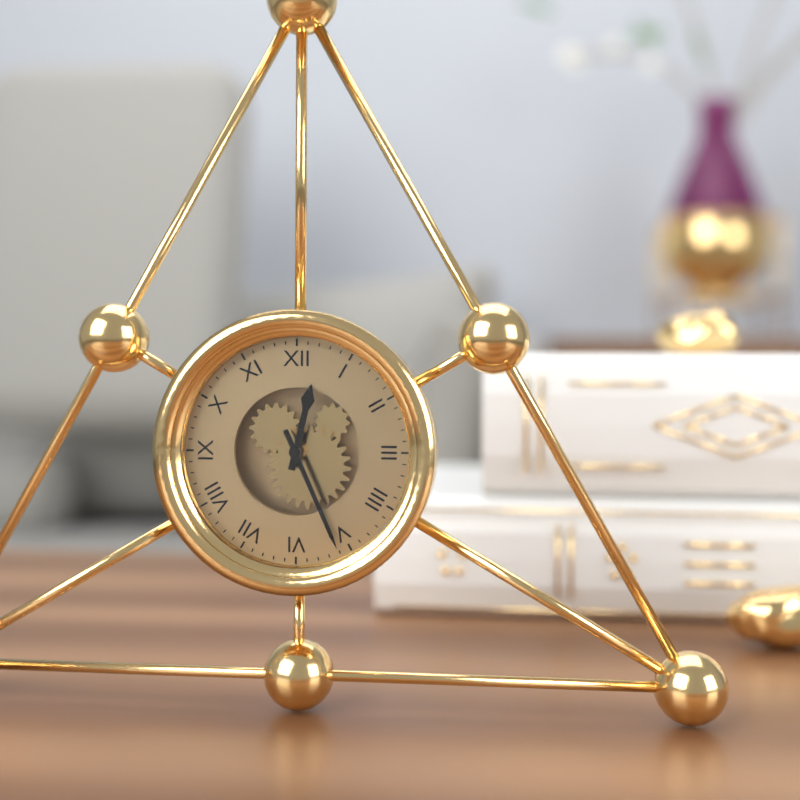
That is 12 h 26 min
